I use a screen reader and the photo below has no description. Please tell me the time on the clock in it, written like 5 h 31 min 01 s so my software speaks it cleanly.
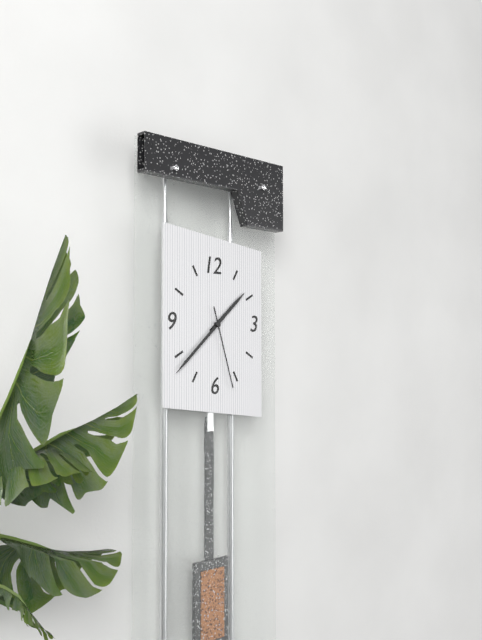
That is 1 h 38 min 27 s
